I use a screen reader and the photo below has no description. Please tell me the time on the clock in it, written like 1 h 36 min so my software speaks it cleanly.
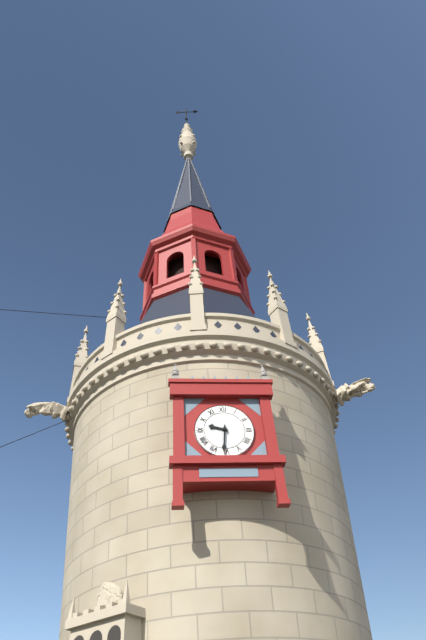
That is 9 h 31 min
